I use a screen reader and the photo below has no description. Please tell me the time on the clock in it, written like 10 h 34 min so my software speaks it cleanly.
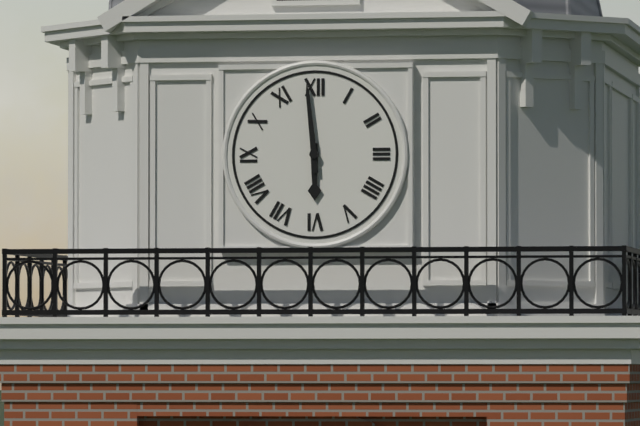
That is 5 h 59 min
